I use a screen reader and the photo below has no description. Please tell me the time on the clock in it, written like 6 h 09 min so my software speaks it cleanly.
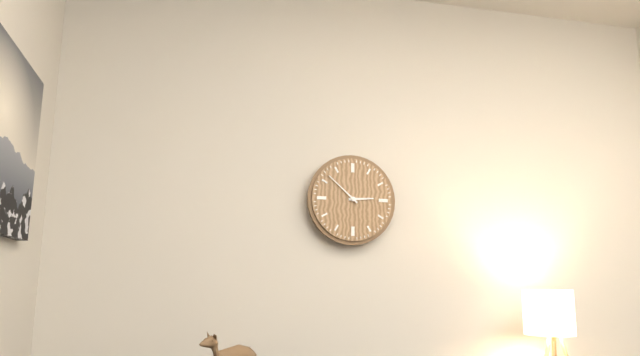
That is 2 h 52 min
